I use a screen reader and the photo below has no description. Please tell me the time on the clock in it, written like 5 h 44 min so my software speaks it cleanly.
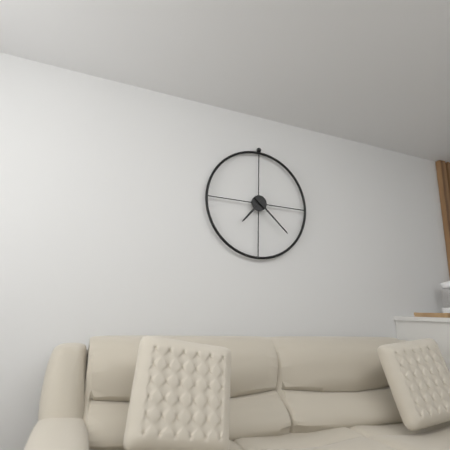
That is 7 h 22 min
